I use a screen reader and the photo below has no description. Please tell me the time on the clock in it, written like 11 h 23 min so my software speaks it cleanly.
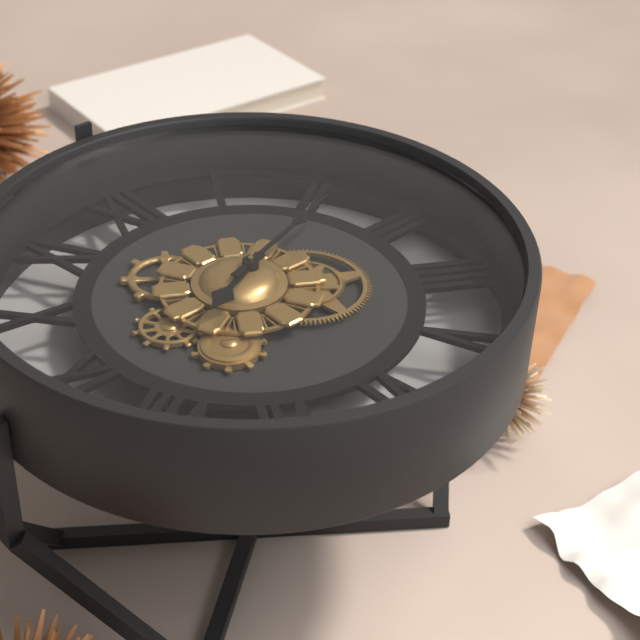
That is 8 h 12 min
